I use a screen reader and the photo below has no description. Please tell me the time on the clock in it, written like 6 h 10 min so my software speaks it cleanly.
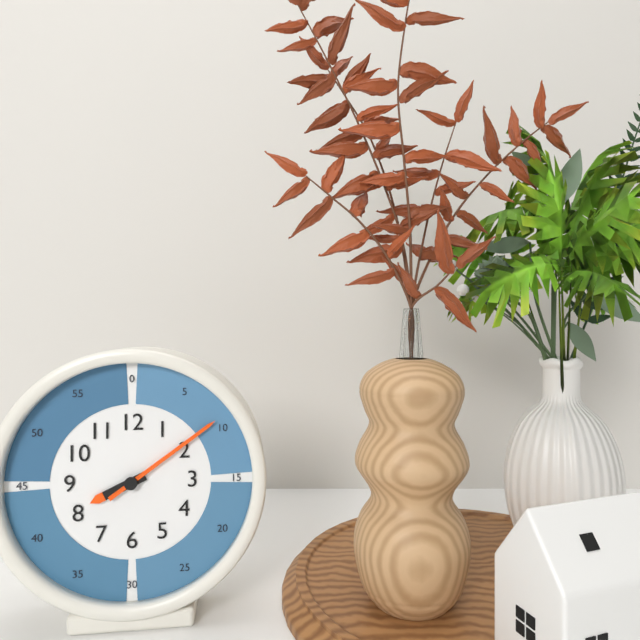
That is 8 h 09 min
